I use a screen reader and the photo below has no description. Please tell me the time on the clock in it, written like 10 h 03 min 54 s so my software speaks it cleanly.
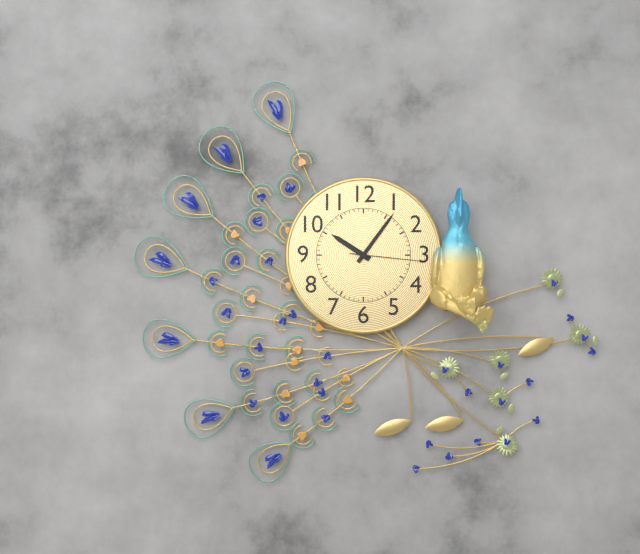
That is 10 h 06 min 16 s
